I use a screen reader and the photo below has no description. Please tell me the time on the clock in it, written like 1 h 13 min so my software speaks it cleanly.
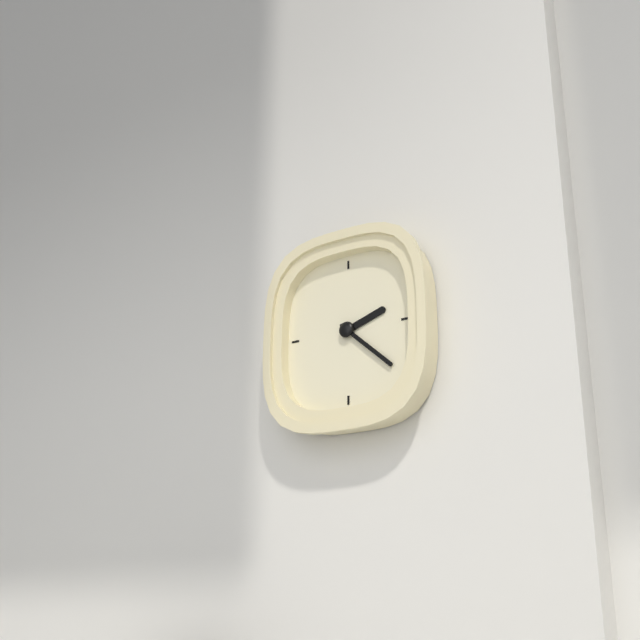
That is 2 h 22 min
